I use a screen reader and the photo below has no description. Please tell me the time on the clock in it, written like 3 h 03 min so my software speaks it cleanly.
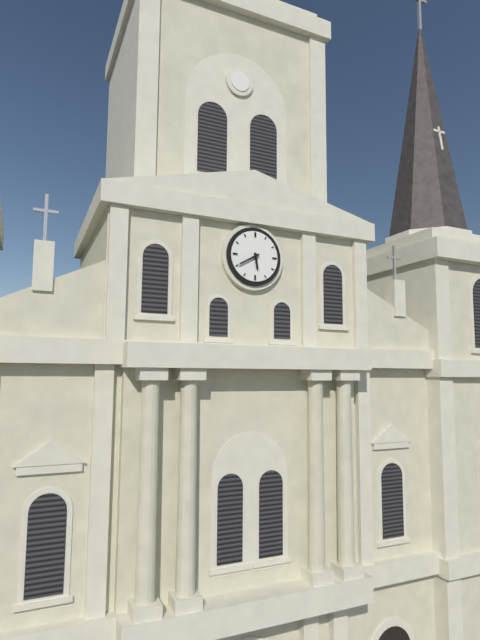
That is 5 h 40 min
